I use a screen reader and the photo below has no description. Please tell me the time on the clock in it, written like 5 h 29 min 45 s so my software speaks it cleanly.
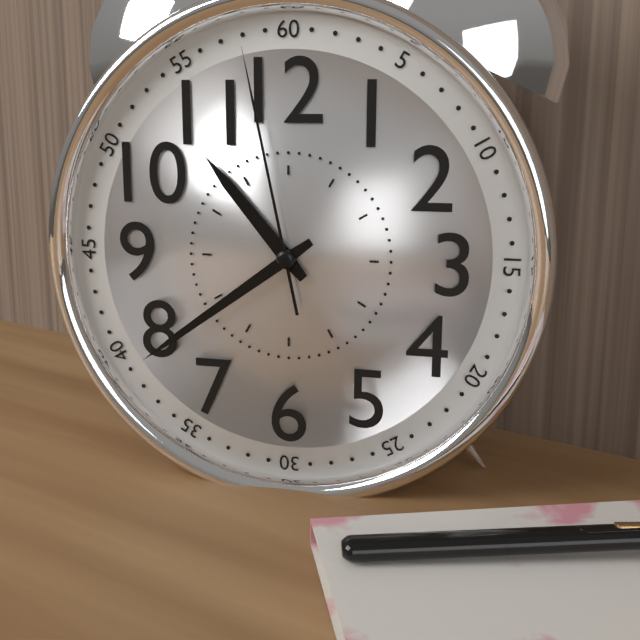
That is 10 h 39 min 58 s
